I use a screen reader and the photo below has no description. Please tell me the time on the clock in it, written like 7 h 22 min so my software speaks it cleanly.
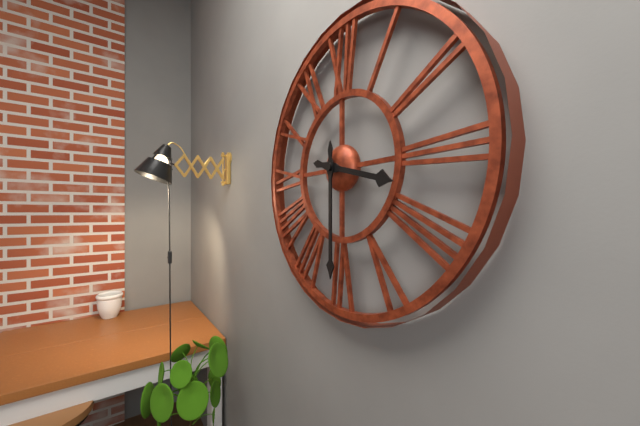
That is 3 h 30 min
